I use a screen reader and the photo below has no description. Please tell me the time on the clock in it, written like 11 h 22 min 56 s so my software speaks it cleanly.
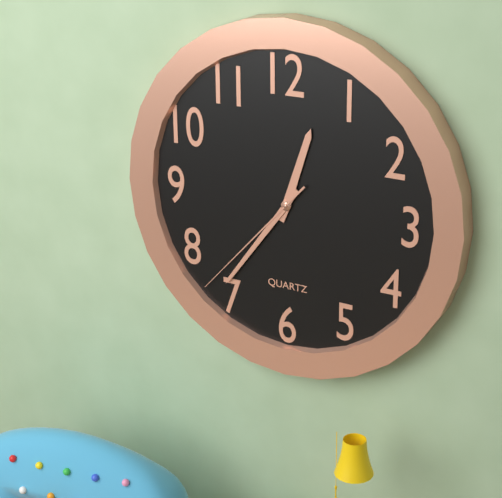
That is 12 h 36 min 37 s
